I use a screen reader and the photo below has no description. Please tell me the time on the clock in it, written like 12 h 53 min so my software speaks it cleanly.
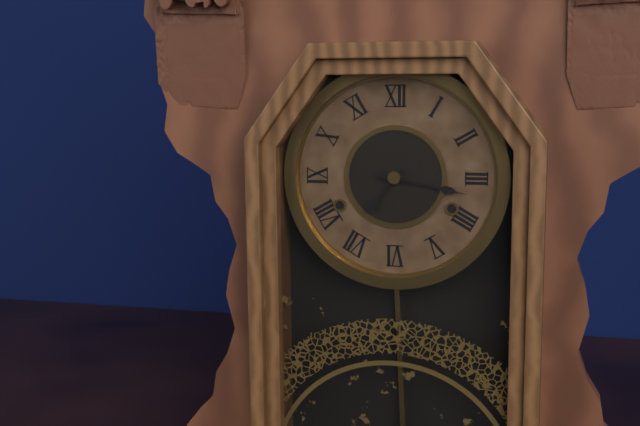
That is 7 h 17 min
